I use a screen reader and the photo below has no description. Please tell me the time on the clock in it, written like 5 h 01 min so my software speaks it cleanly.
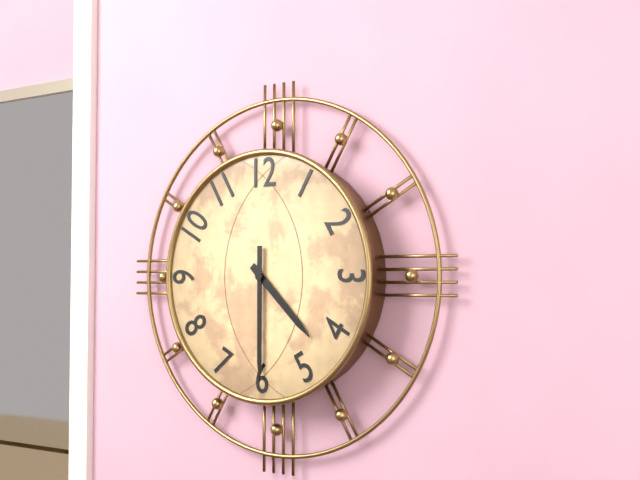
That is 4 h 30 min
